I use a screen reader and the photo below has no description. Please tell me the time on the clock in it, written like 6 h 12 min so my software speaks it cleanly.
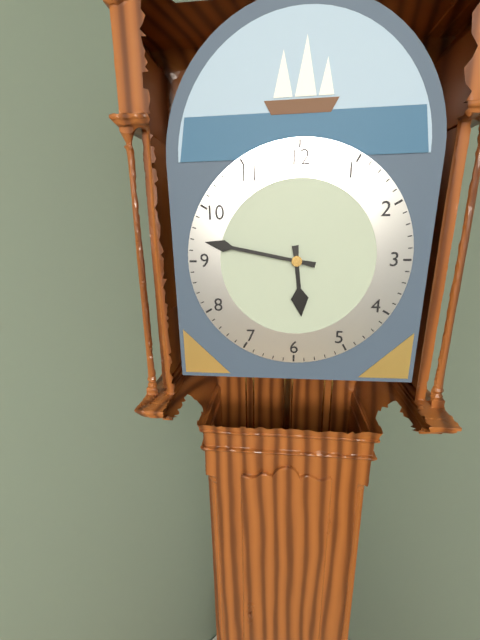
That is 5 h 47 min
